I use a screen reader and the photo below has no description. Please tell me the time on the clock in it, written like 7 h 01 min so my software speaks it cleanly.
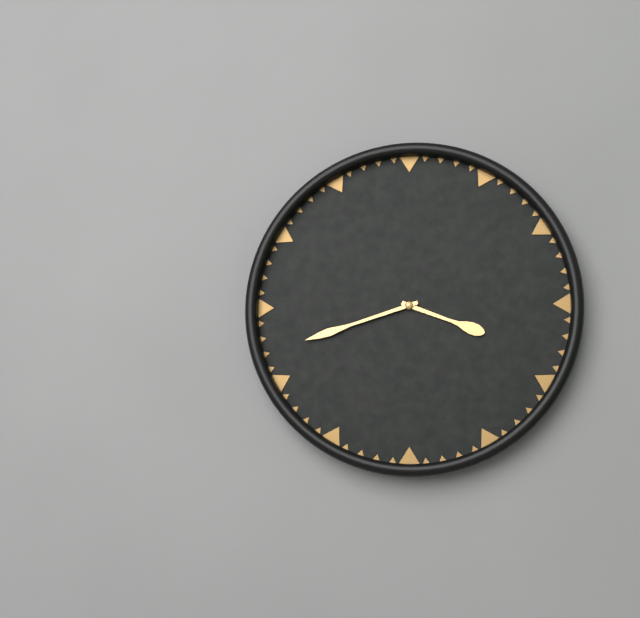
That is 3 h 42 min
